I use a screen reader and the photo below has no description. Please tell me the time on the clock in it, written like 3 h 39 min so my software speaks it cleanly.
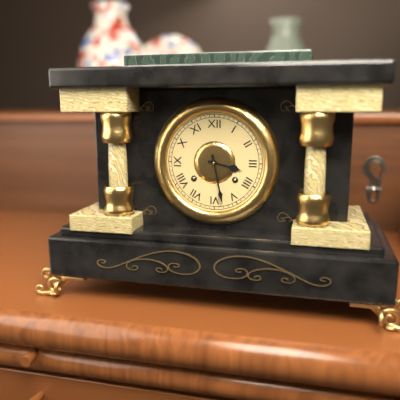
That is 3 h 28 min
